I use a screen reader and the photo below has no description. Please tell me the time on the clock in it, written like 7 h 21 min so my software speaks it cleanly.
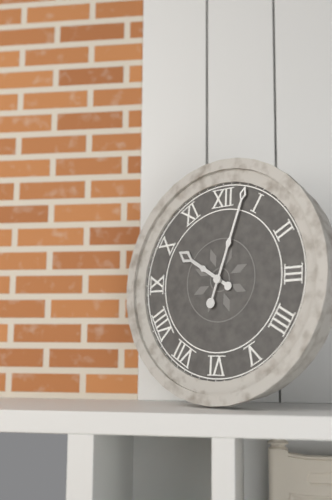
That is 10 h 03 min
